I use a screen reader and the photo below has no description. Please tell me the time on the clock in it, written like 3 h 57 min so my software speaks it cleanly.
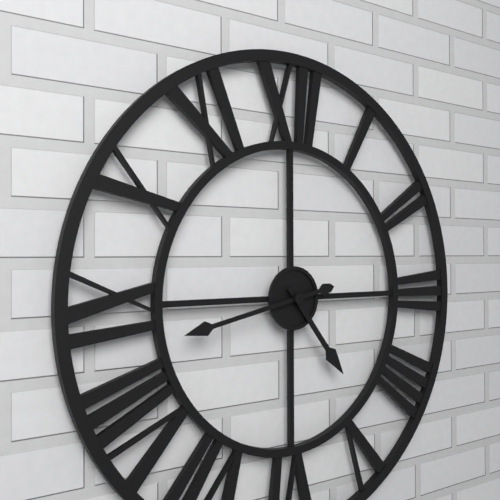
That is 4 h 43 min
